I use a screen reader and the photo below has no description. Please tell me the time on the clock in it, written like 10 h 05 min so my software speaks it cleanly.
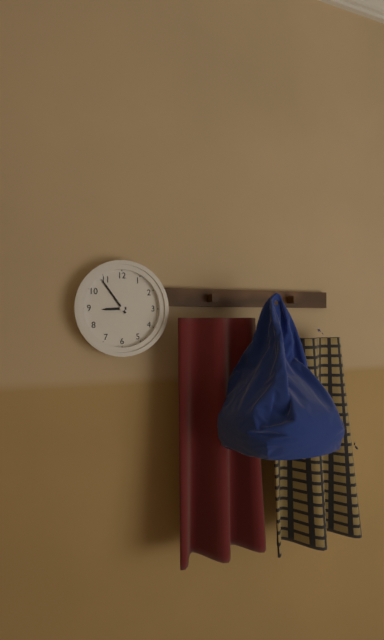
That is 8 h 54 min
